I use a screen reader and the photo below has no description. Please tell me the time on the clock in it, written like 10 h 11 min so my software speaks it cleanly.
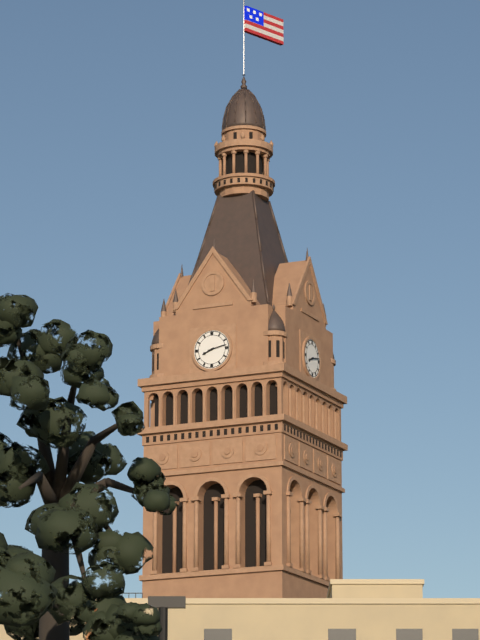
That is 8 h 13 min
